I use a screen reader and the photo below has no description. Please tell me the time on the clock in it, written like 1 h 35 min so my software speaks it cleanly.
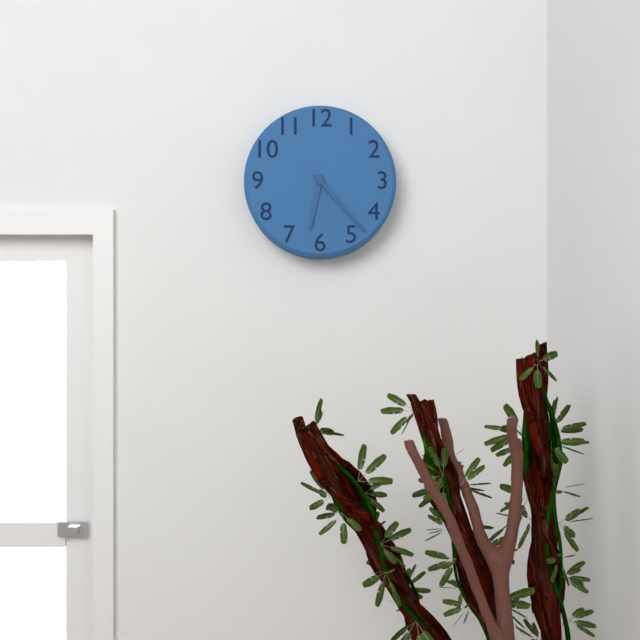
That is 6 h 23 min
